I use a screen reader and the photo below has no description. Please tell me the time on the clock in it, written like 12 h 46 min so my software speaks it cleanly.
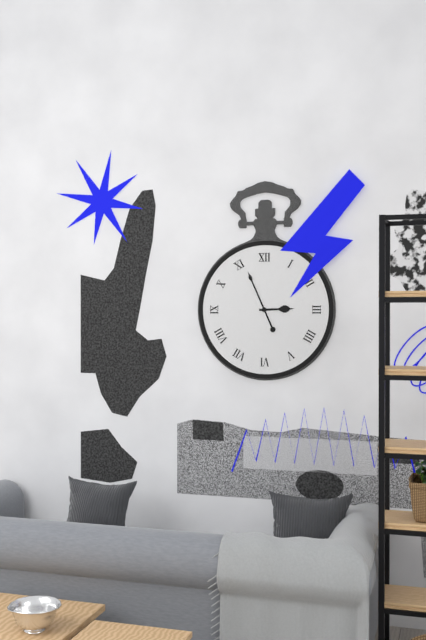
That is 2 h 56 min
